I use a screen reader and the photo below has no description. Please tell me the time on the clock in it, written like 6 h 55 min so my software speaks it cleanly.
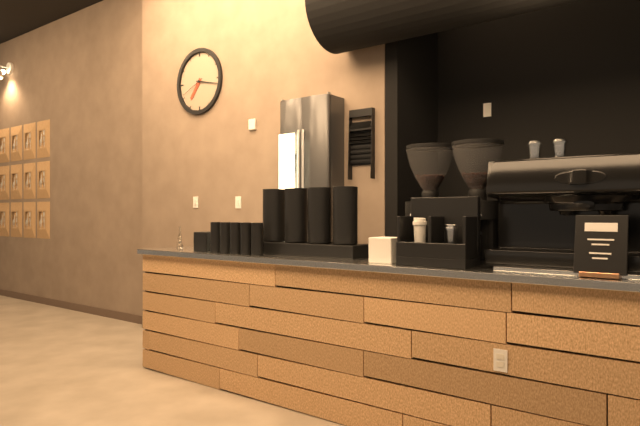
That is 7 h 17 min
